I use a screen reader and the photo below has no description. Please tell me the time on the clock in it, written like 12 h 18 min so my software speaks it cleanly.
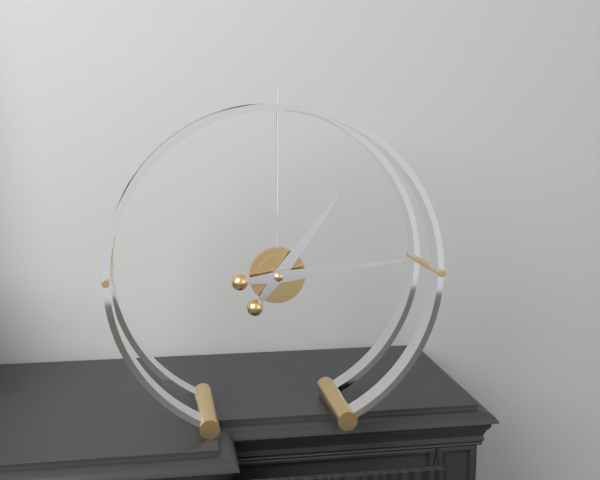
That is 1 h 14 min
